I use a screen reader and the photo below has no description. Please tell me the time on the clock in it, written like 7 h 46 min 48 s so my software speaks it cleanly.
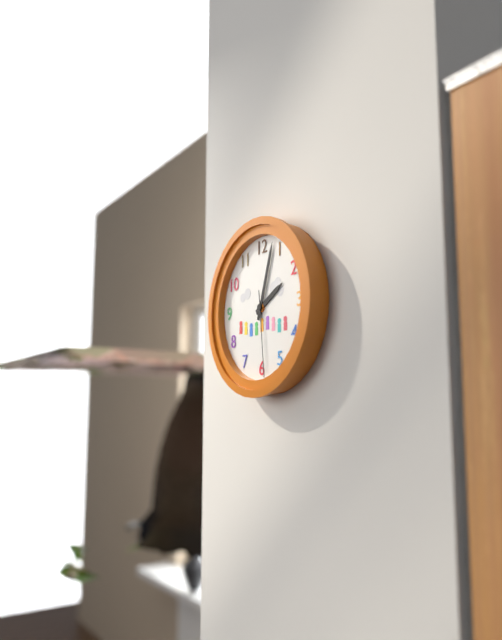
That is 2 h 03 min 29 s
